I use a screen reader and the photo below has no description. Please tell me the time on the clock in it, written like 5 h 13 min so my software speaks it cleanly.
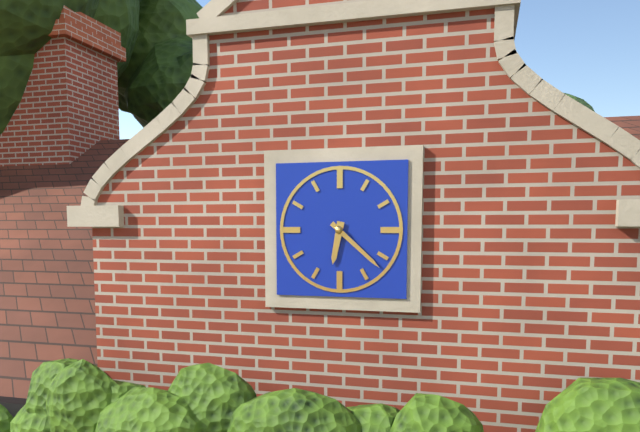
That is 6 h 22 min
